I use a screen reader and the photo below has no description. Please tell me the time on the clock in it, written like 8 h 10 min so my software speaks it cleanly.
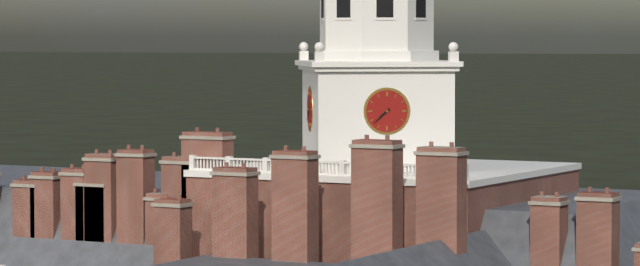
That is 7 h 38 min
